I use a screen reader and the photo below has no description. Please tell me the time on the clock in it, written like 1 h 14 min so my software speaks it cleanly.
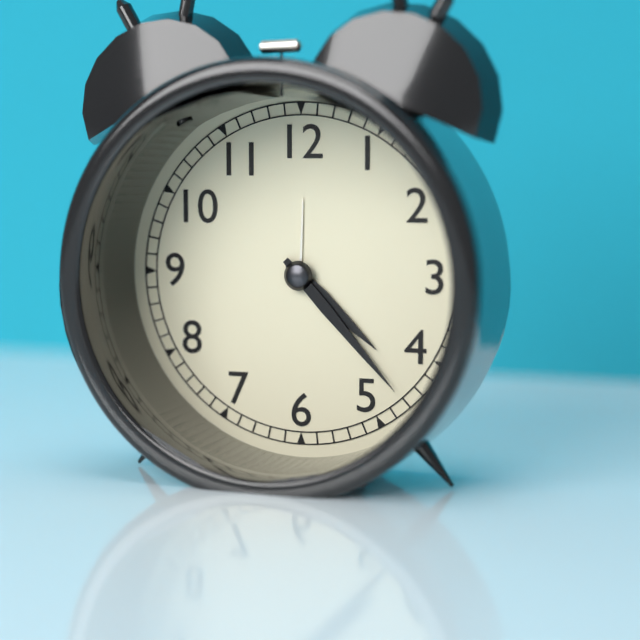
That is 4 h 23 min
